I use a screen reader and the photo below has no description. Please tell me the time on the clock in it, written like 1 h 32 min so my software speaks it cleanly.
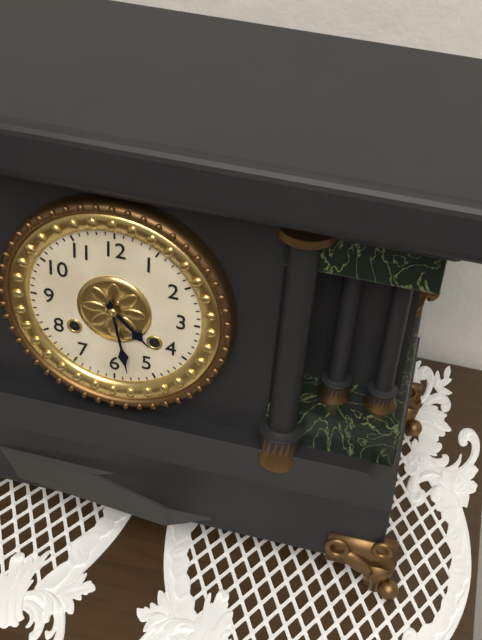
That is 4 h 28 min
